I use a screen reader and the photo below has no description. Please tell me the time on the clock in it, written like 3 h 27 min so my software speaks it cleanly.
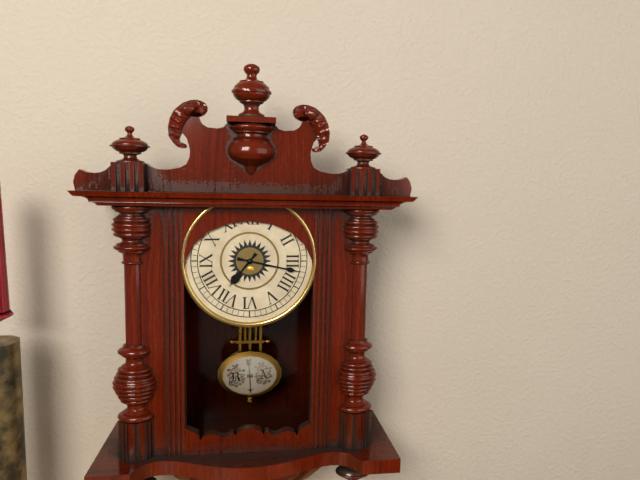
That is 7 h 17 min
